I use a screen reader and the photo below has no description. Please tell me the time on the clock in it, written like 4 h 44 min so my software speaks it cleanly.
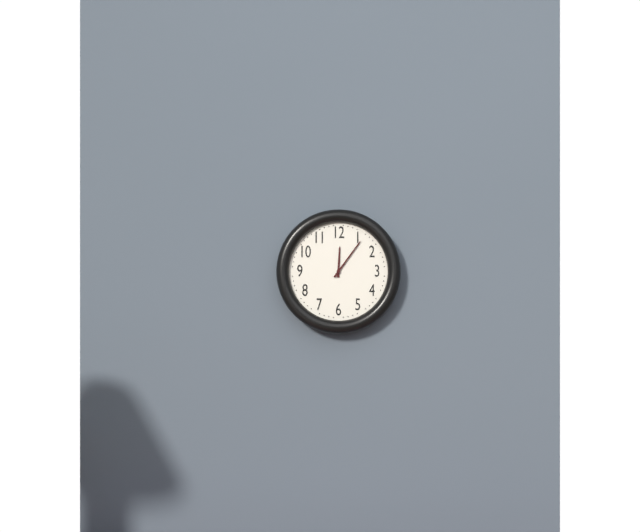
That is 12 h 06 min
